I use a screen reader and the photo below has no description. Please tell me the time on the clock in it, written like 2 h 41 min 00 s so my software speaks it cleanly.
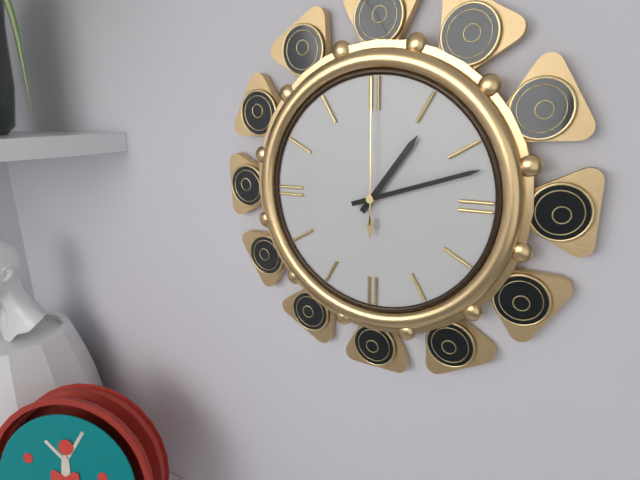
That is 1 h 12 min 00 s
